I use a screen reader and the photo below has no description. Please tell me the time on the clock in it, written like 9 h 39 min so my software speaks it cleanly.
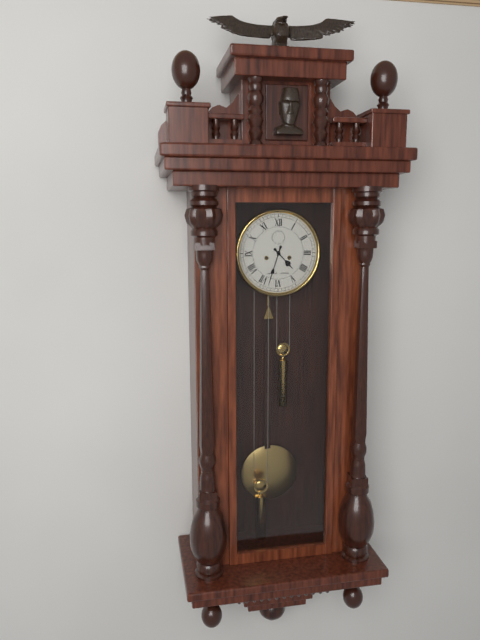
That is 4 h 33 min
